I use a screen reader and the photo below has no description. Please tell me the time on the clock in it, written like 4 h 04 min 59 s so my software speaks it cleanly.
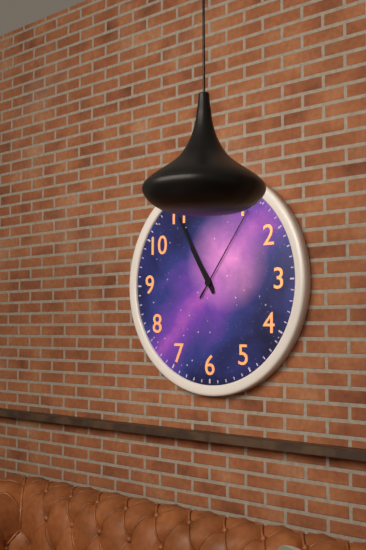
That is 10 h 55 min 06 s
